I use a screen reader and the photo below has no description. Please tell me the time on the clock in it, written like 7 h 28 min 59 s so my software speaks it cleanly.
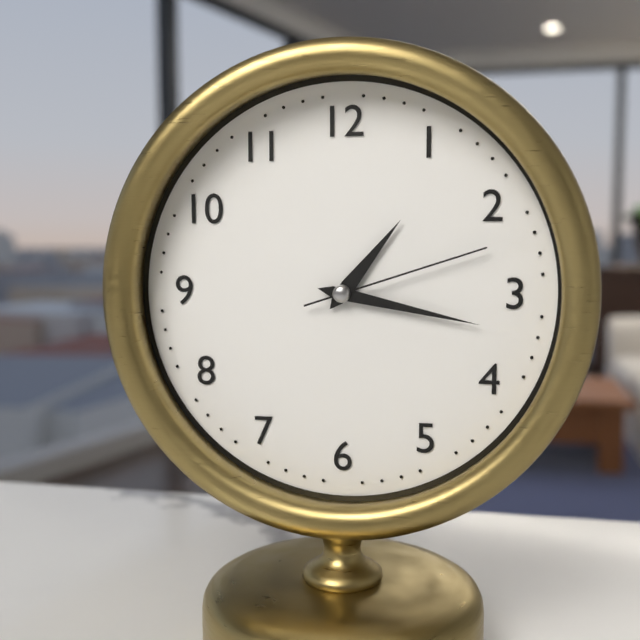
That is 1 h 17 min 12 s
